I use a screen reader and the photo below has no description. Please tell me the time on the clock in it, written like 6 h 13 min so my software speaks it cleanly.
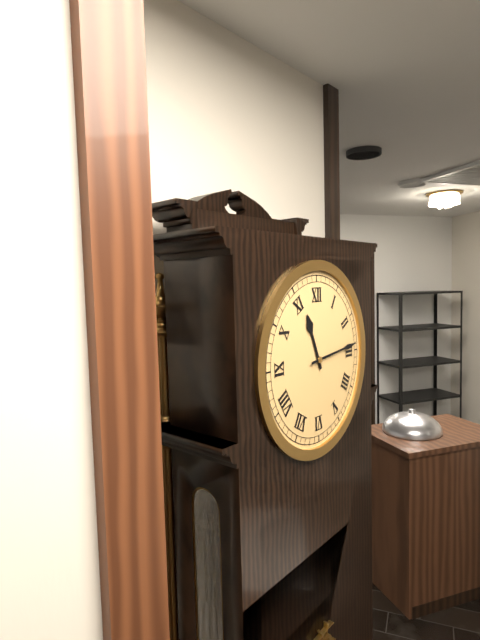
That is 11 h 14 min
